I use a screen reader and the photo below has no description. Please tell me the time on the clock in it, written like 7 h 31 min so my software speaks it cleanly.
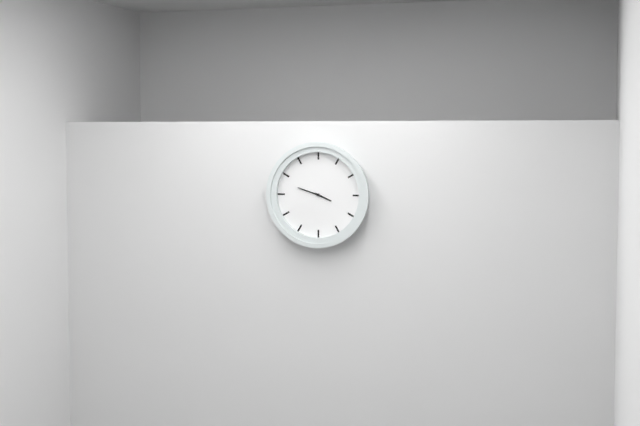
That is 3 h 48 min
